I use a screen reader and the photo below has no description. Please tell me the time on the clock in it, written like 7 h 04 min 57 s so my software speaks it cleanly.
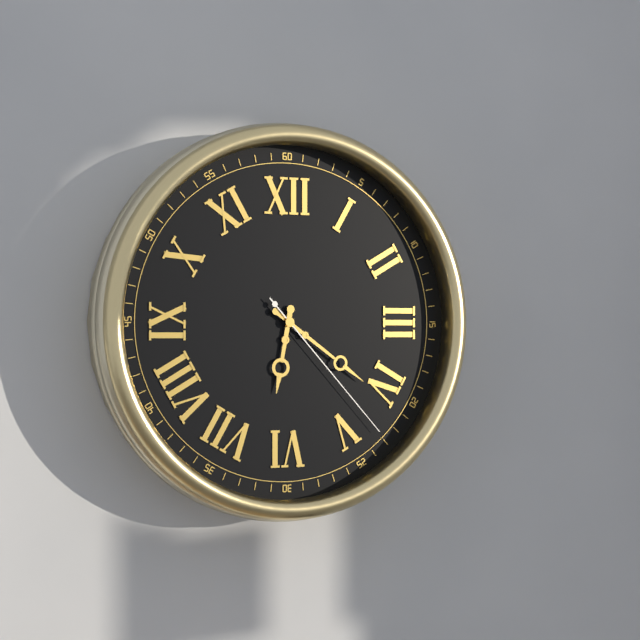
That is 6 h 21 min 23 s
